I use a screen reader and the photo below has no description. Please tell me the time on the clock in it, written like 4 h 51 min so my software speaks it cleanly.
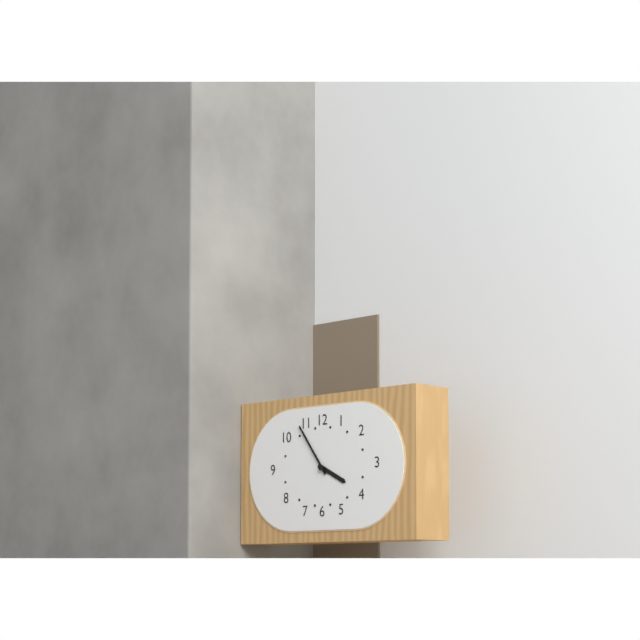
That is 3 h 54 min
